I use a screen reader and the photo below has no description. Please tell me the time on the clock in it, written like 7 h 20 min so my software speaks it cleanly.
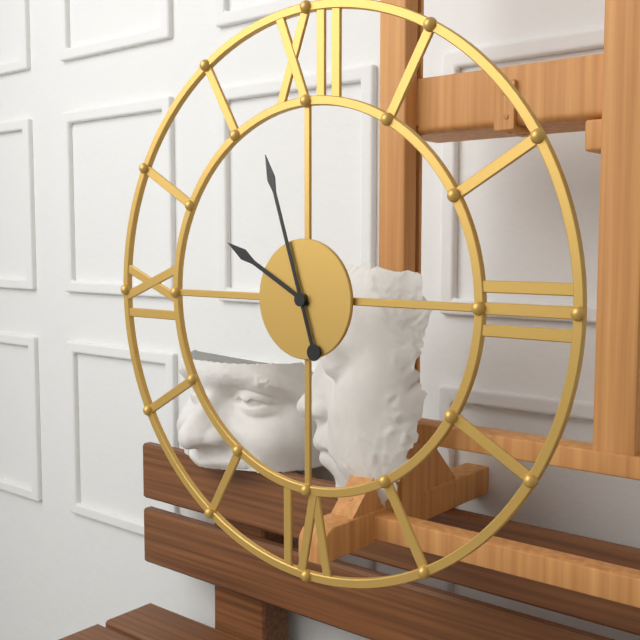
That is 9 h 57 min
